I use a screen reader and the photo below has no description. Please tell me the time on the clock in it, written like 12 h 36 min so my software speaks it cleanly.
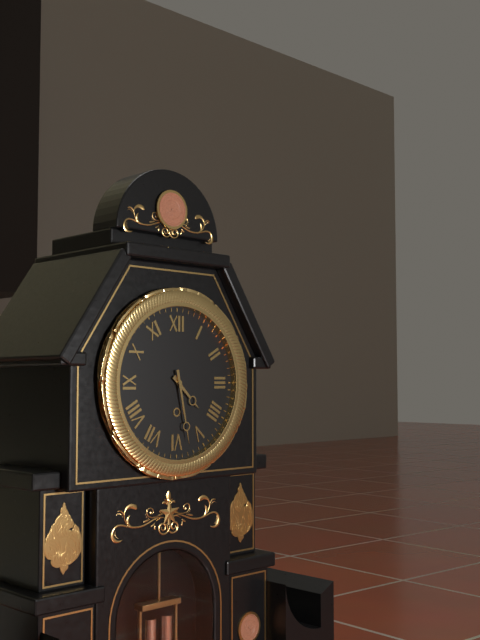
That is 4 h 28 min
